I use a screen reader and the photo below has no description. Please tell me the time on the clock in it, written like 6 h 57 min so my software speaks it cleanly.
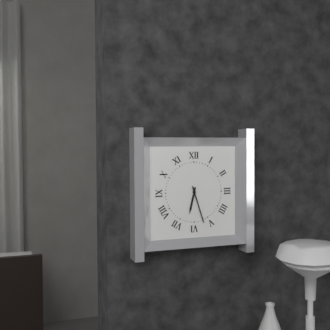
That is 6 h 27 min
